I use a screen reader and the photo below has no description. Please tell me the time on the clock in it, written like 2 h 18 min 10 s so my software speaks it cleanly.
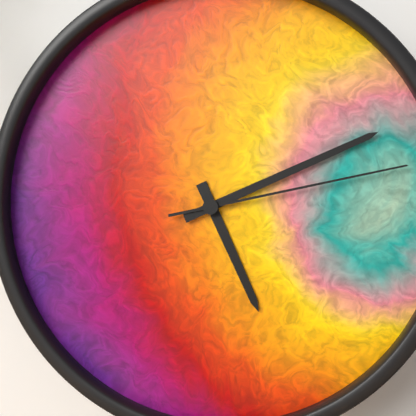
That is 5 h 11 min 13 s
